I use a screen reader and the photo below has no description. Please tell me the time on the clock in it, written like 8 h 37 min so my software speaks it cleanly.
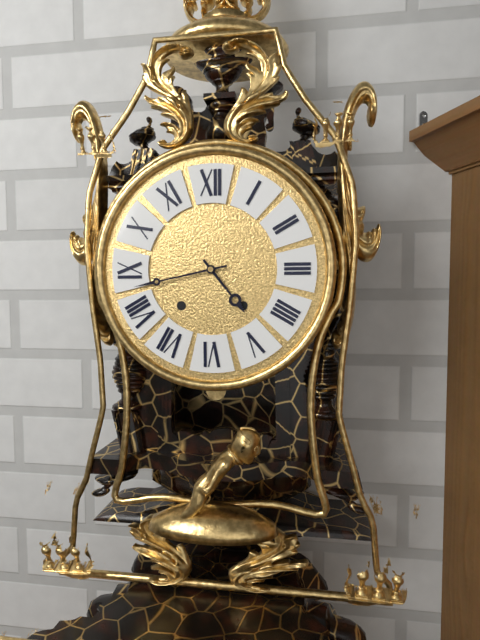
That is 4 h 43 min
